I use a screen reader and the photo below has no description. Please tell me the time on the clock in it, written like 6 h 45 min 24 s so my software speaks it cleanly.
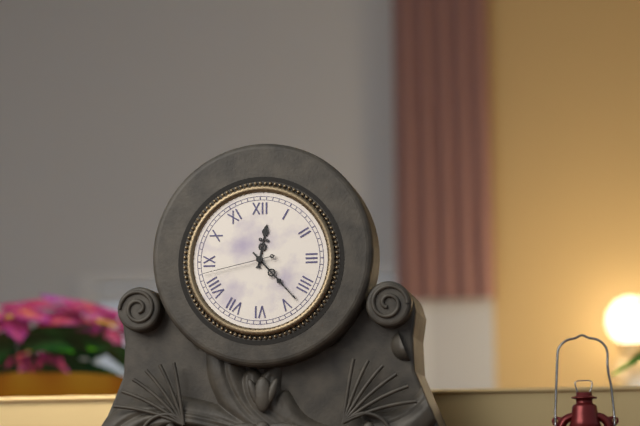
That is 12 h 23 min 43 s
